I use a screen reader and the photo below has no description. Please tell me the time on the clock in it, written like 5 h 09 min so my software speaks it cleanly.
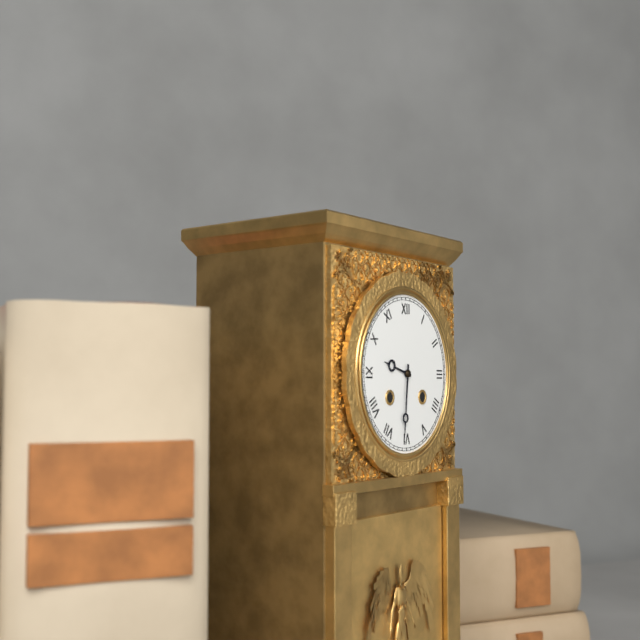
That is 9 h 31 min
